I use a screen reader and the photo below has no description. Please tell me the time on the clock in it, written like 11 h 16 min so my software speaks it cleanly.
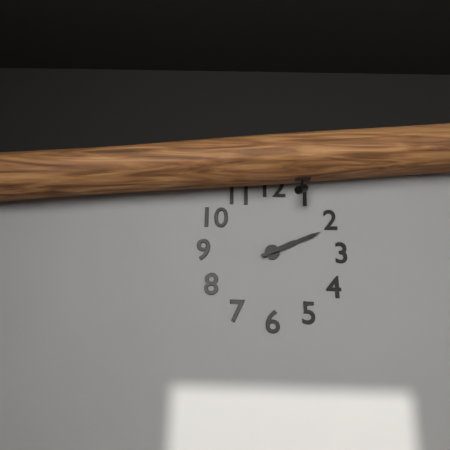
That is 2 h 11 min
